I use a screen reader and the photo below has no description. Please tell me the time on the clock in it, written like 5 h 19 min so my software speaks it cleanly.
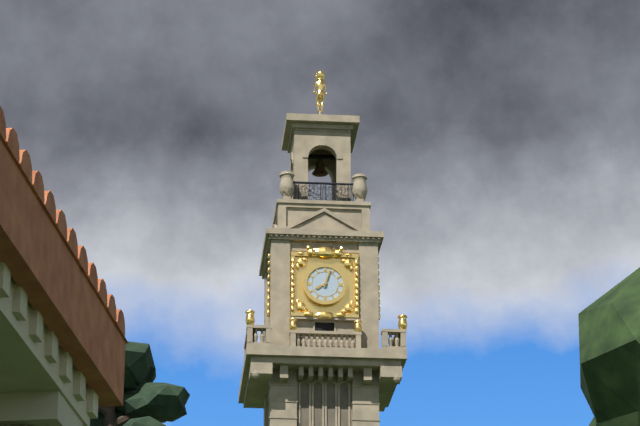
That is 8 h 03 min
